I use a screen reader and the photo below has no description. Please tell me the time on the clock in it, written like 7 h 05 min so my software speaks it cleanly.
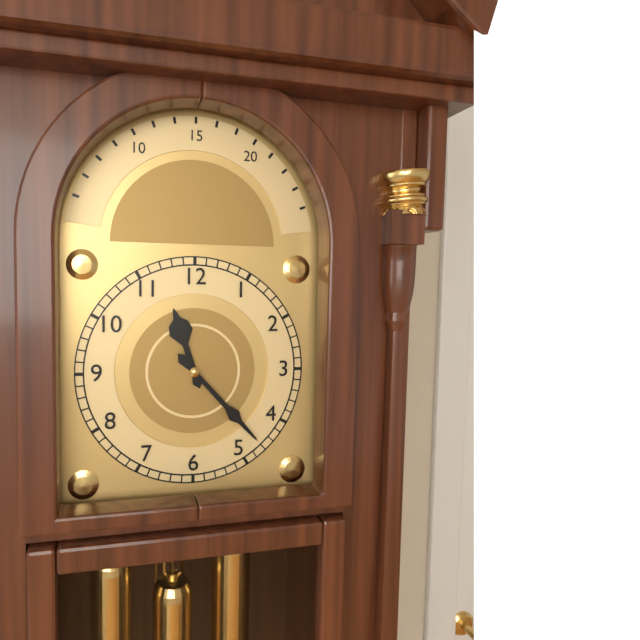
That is 11 h 23 min
